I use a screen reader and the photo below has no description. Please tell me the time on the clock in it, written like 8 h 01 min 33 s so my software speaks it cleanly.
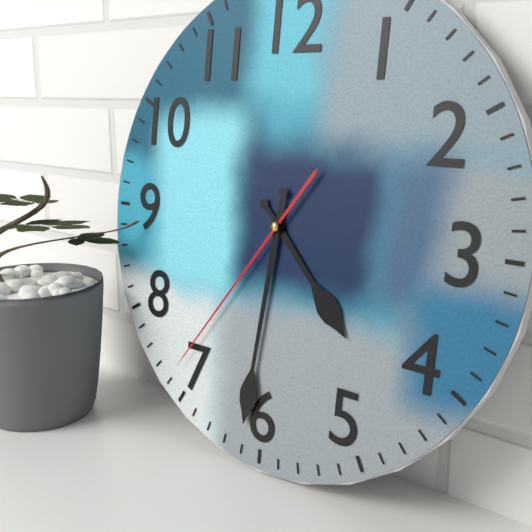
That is 4 h 31 min 36 s
